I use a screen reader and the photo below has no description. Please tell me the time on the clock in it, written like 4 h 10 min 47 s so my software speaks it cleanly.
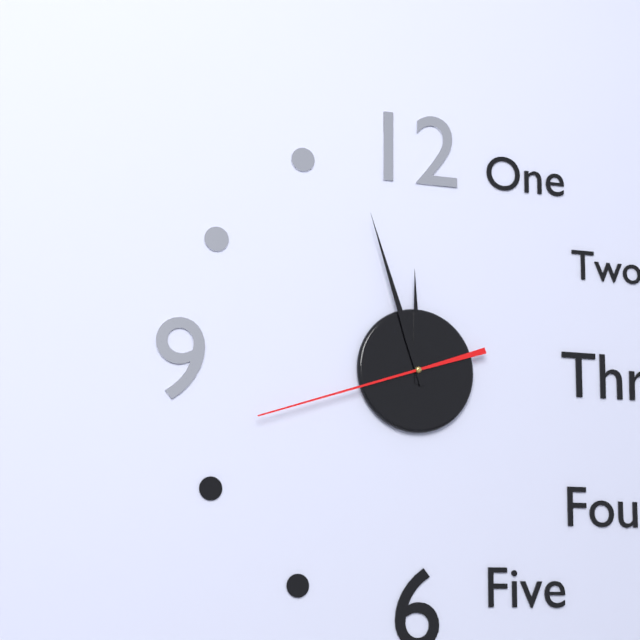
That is 11 h 57 min 42 s
